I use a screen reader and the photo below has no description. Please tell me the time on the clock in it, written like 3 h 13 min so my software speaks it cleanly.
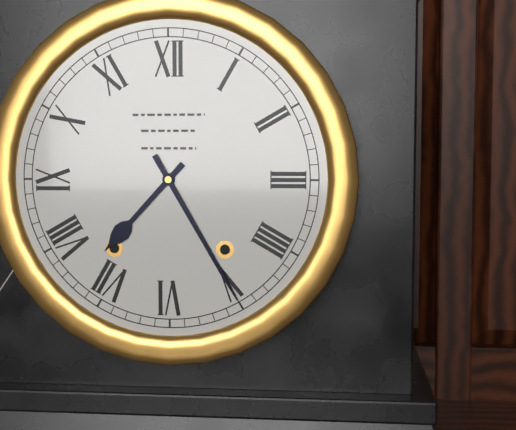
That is 7 h 25 min
